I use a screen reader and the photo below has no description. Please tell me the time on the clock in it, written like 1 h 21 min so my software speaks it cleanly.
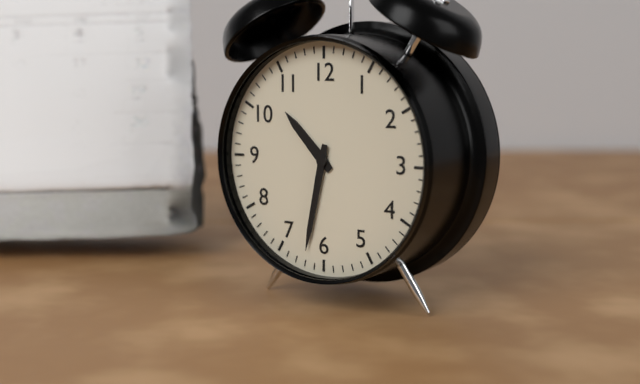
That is 10 h 32 min
